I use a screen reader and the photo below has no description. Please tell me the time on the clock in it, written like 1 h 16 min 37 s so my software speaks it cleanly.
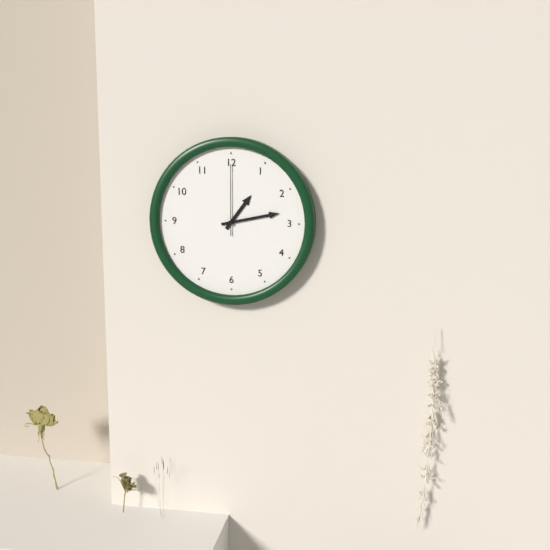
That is 1 h 13 min 00 s
